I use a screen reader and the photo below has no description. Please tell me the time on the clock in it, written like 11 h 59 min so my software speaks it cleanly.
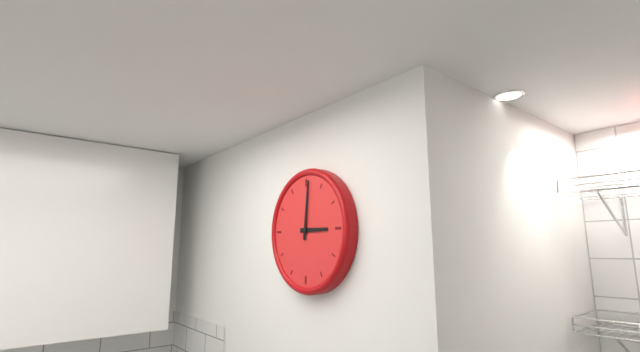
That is 3 h 01 min
